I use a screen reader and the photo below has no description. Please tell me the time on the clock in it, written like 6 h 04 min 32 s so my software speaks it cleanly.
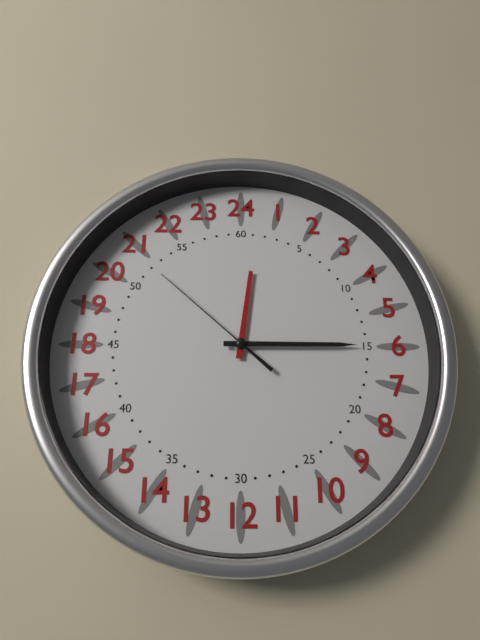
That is 12 h 15 min 52 s
